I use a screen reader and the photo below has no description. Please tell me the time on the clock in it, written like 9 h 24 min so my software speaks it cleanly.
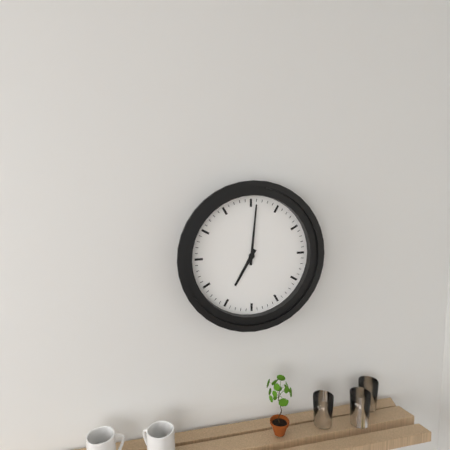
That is 7 h 01 min
